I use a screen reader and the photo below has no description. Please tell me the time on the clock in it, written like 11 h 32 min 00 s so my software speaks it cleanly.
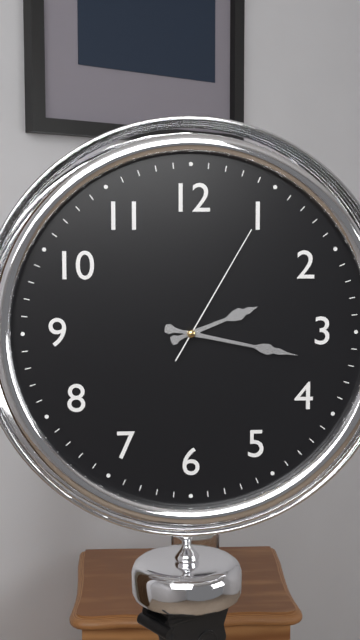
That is 2 h 17 min 05 s
